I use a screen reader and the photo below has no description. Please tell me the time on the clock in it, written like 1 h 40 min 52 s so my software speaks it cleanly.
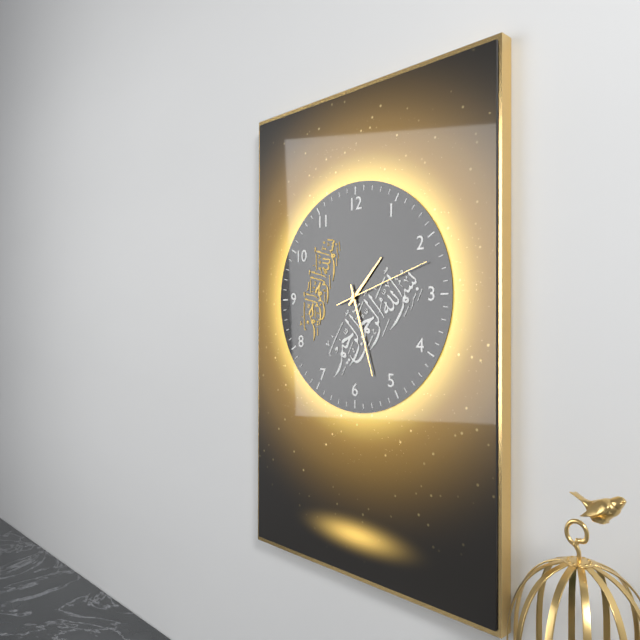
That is 1 h 27 min 12 s
